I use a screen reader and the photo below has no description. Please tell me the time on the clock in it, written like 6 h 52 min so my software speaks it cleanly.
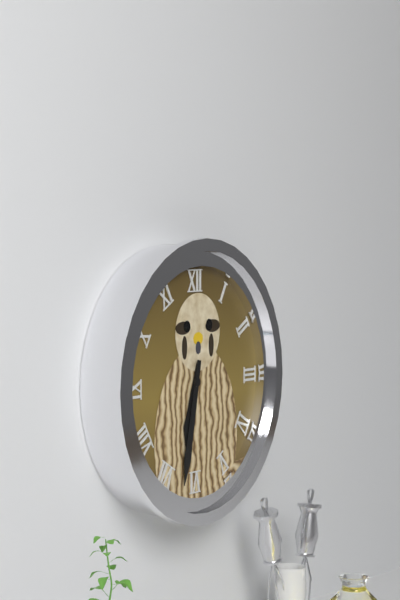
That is 6 h 32 min
